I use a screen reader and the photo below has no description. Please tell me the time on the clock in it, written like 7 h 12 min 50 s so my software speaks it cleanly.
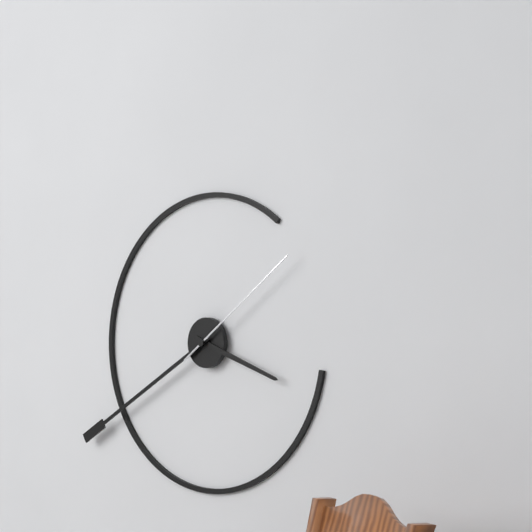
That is 3 h 40 min 09 s
